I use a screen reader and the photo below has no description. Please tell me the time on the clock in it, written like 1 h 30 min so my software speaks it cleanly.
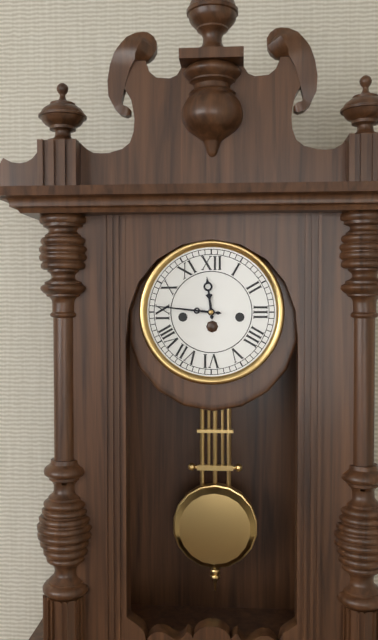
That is 11 h 46 min
